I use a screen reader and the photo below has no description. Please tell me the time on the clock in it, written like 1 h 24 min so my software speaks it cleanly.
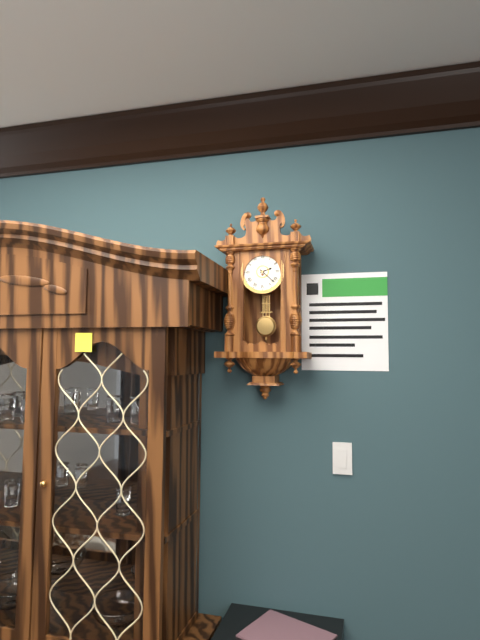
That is 2 h 22 min
